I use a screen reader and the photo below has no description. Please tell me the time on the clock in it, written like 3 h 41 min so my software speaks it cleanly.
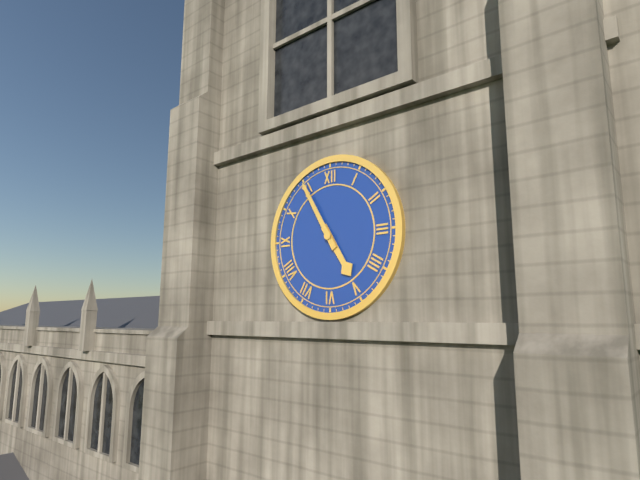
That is 4 h 55 min
